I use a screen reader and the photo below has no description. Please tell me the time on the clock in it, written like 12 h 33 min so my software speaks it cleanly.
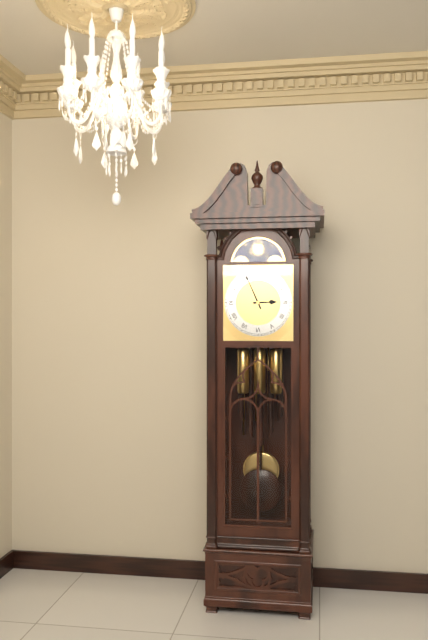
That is 2 h 56 min
